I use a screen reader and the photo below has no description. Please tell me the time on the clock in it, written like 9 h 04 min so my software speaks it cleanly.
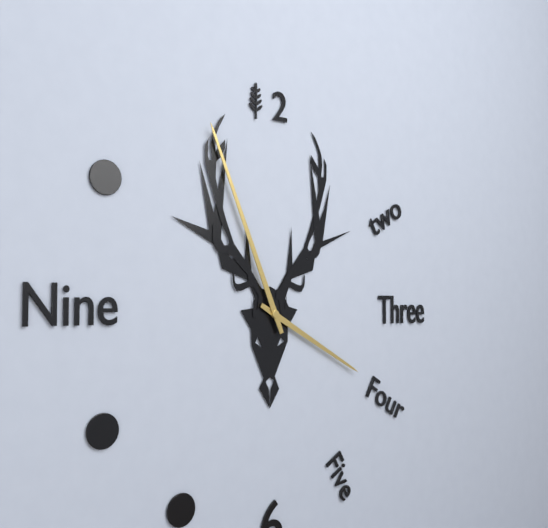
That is 3 h 56 min
